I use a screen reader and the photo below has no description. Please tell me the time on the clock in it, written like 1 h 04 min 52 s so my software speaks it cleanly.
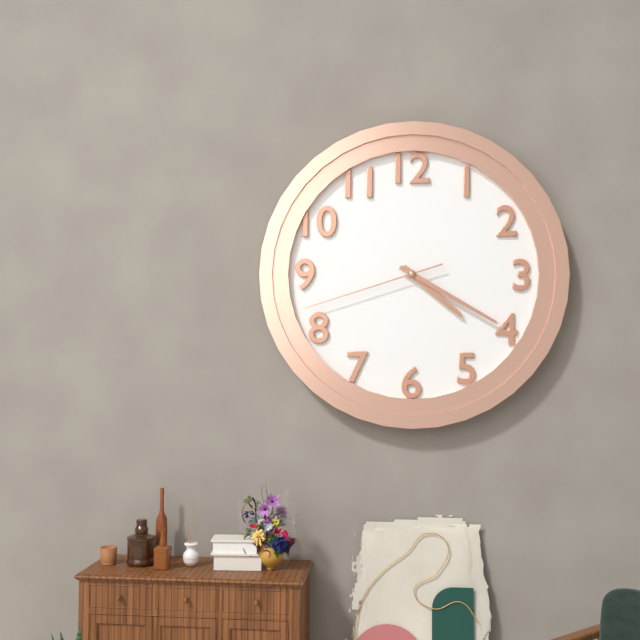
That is 4 h 20 min 42 s
